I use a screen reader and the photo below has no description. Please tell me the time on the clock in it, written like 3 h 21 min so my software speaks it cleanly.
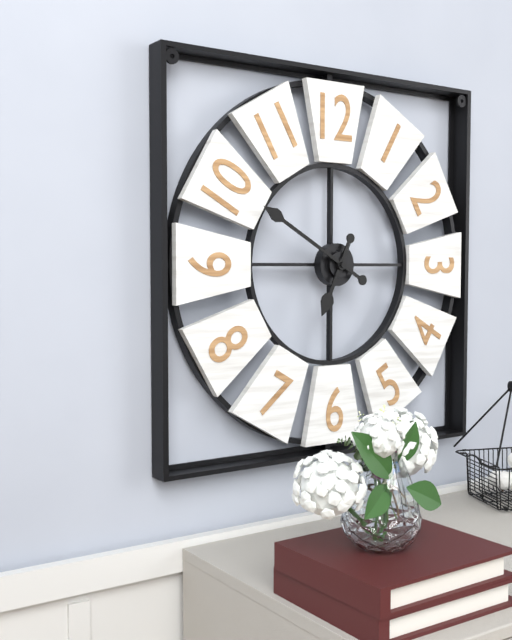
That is 6 h 50 min
